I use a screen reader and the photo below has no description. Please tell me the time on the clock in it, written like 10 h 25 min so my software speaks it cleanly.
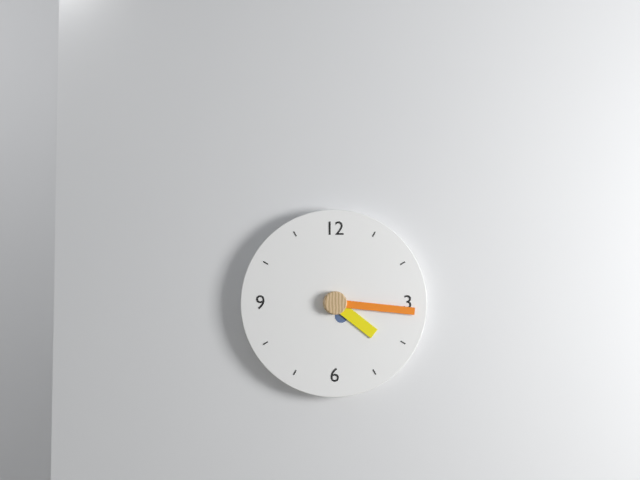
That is 4 h 16 min
